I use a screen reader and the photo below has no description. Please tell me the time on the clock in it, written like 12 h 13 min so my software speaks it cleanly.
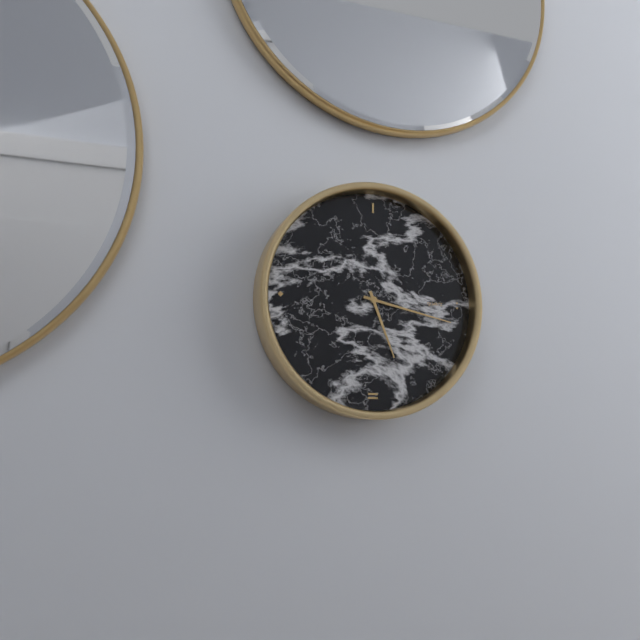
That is 5 h 17 min
